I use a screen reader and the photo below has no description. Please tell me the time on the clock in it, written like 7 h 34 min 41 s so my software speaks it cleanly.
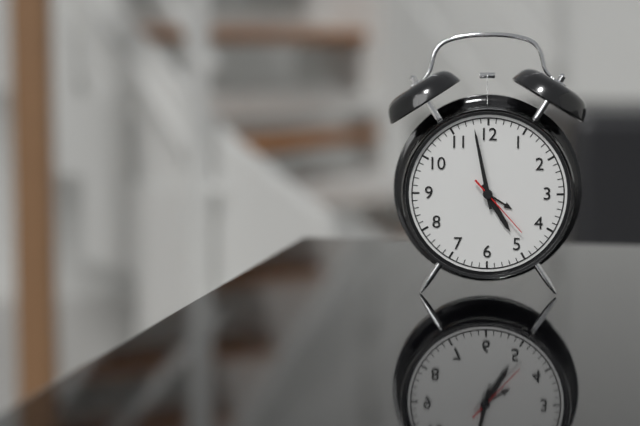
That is 4 h 58 min 23 s
